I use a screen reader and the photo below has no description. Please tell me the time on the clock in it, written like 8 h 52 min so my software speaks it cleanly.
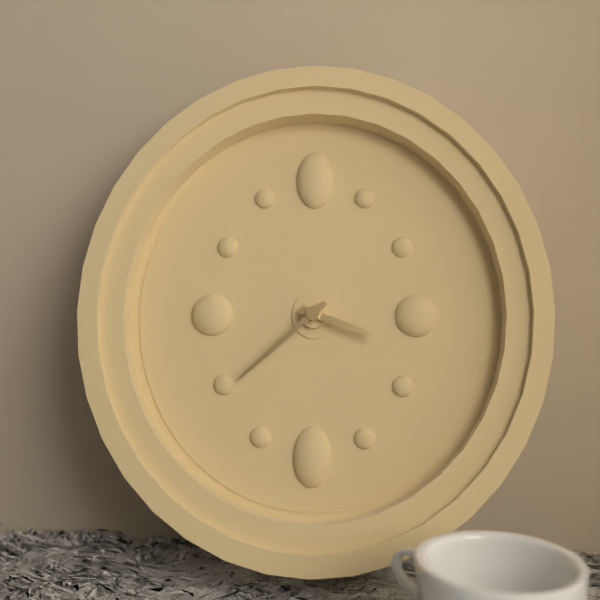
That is 3 h 38 min
